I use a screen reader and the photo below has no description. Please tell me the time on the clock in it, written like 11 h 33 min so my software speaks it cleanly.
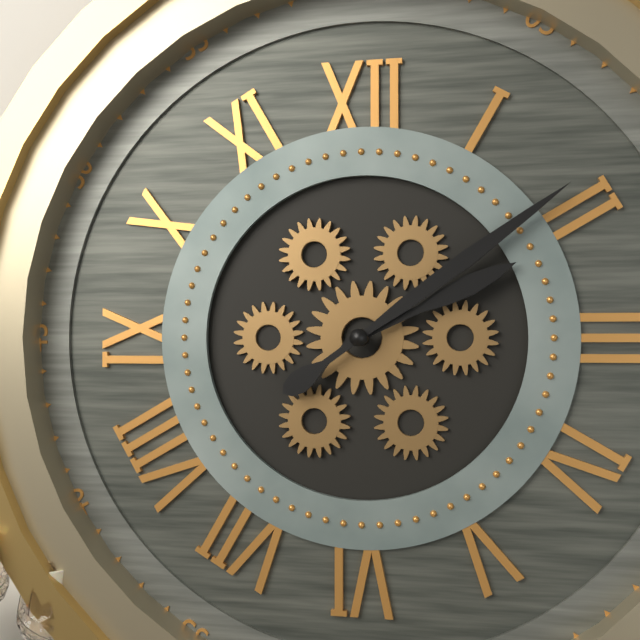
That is 2 h 09 min
